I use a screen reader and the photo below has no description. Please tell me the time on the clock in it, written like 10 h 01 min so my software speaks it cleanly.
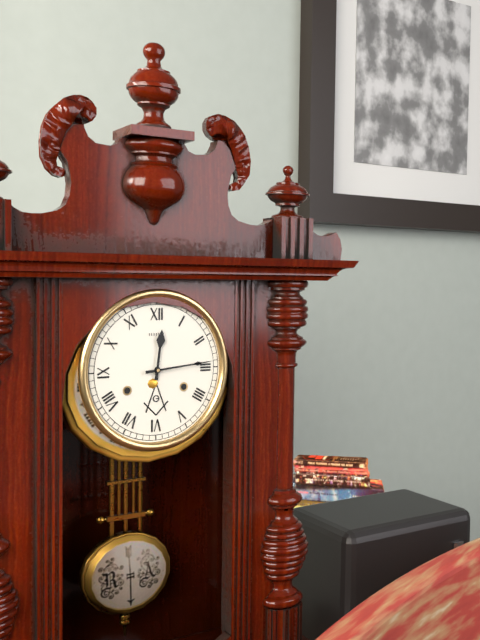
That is 12 h 14 min
